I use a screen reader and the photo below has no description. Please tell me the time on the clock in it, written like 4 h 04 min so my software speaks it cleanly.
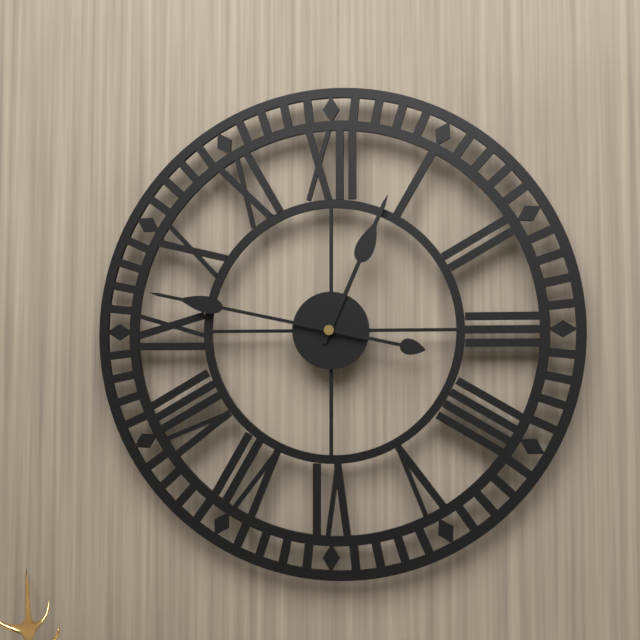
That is 12 h 47 min
